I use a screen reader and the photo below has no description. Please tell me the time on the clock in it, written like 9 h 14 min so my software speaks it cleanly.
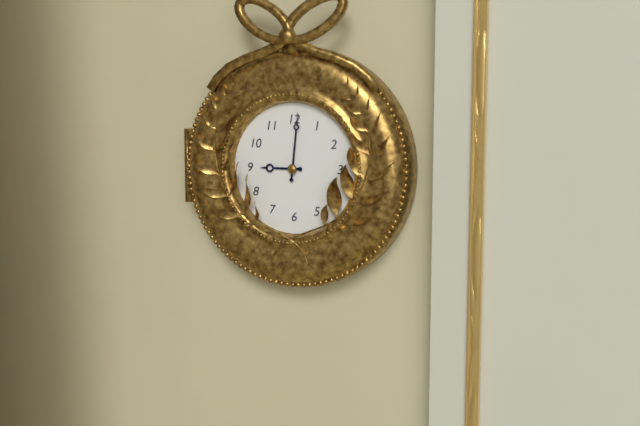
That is 9 h 01 min
